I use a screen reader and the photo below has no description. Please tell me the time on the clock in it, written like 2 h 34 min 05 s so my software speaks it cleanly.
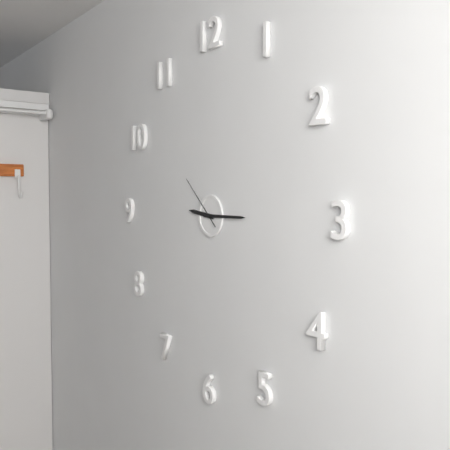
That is 9 h 15 min 52 s
